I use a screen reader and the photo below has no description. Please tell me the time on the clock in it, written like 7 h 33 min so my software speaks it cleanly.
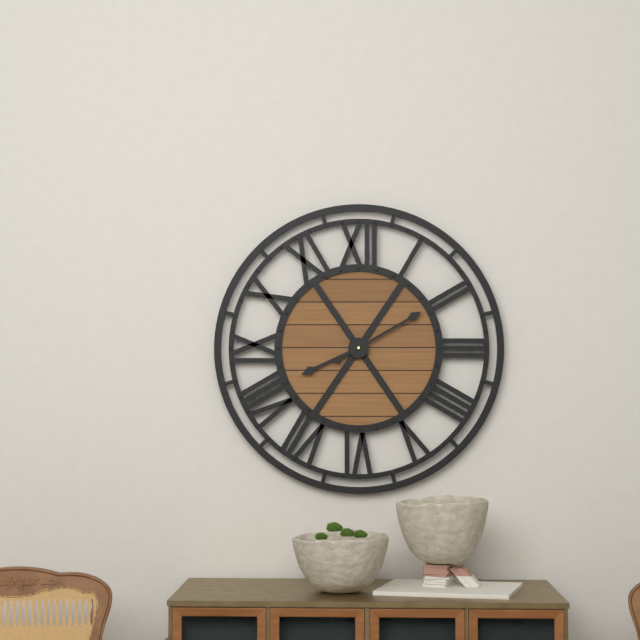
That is 8 h 10 min
